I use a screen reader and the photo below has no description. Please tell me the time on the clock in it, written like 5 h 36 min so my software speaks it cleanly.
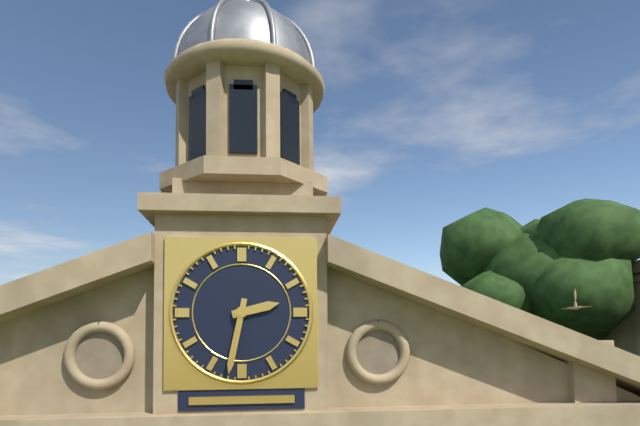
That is 2 h 32 min
